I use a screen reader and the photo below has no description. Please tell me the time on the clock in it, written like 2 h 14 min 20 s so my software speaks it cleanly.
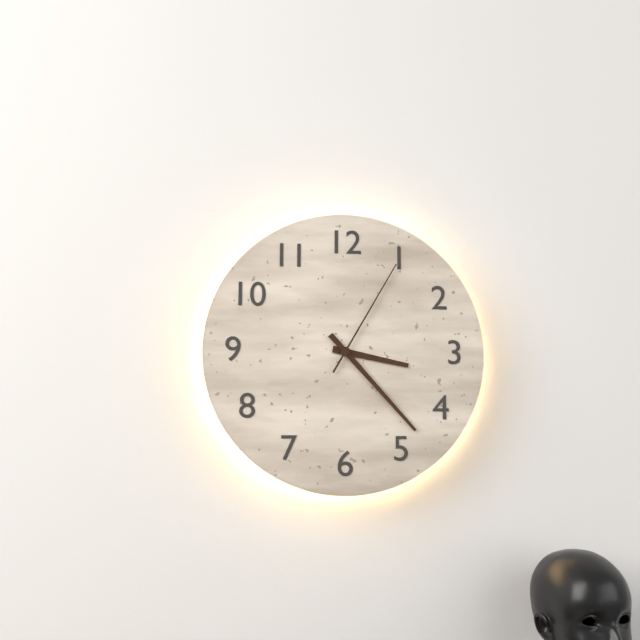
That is 3 h 23 min 05 s
